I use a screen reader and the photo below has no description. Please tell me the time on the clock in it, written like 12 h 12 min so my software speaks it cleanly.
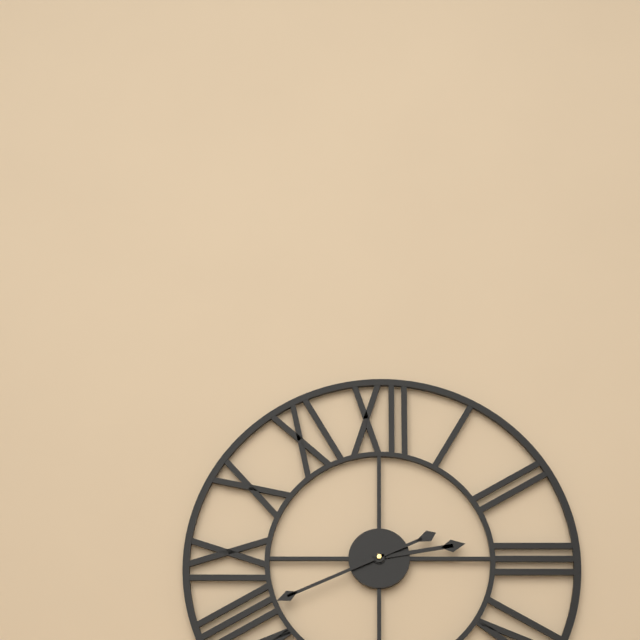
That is 2 h 41 min
